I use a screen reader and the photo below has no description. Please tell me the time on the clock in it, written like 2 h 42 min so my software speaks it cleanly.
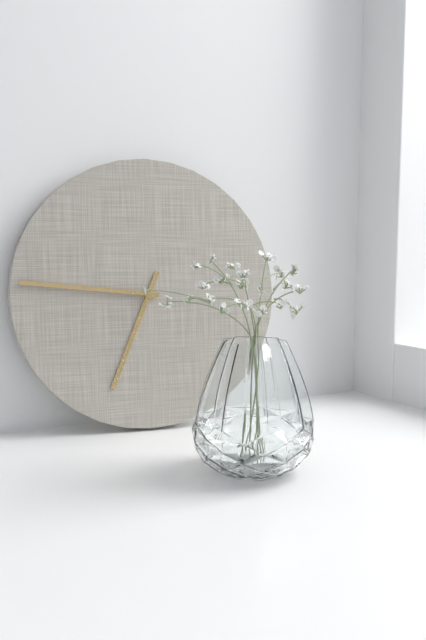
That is 6 h 46 min
